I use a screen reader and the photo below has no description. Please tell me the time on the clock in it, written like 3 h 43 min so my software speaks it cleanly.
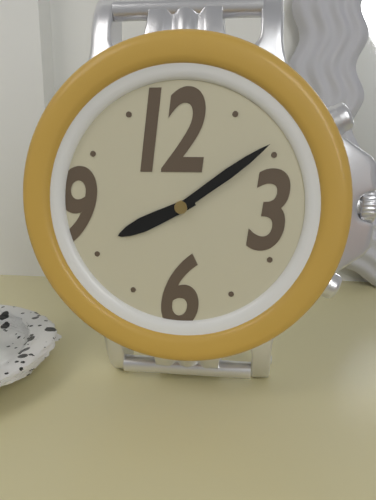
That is 8 h 09 min
